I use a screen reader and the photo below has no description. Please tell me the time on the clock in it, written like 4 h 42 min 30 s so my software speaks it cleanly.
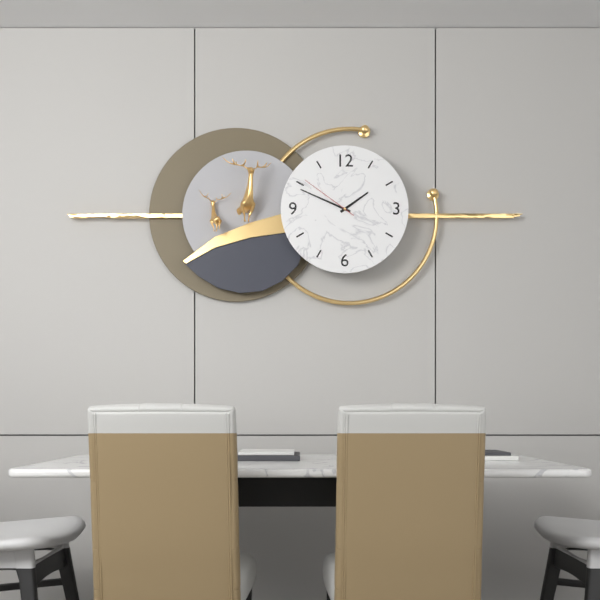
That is 1 h 49 min 51 s
